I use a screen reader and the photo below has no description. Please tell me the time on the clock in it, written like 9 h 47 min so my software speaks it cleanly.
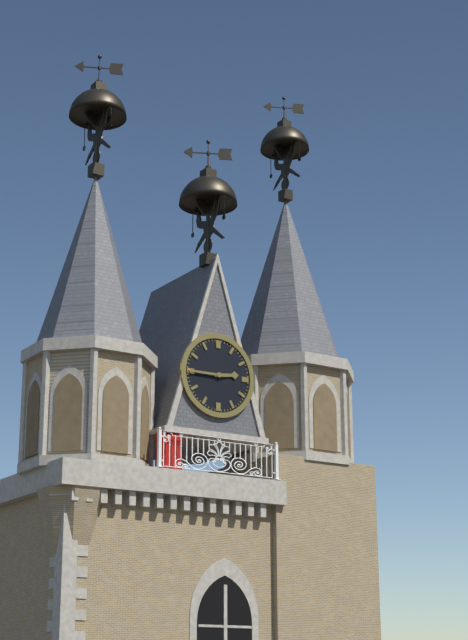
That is 2 h 45 min
